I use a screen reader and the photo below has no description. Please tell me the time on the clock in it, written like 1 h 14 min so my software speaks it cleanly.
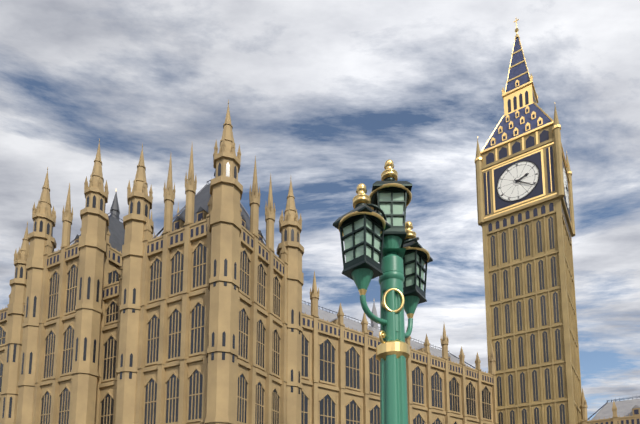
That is 2 h 21 min
